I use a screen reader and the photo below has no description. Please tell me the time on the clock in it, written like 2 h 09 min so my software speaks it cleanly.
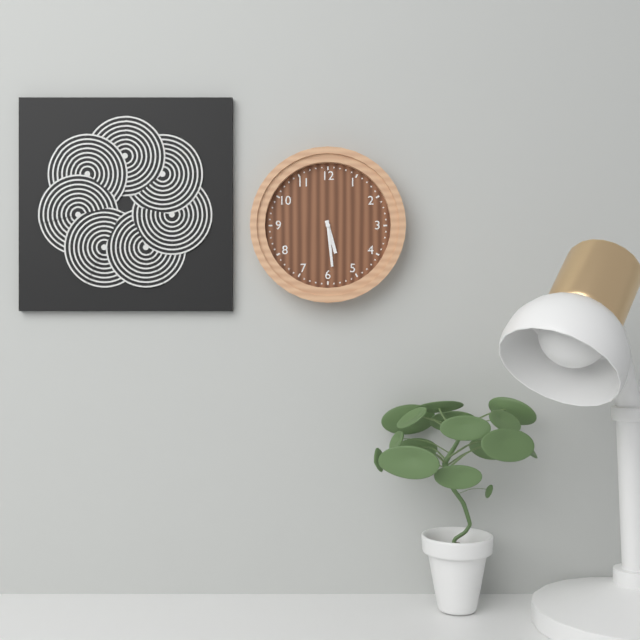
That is 5 h 29 min
